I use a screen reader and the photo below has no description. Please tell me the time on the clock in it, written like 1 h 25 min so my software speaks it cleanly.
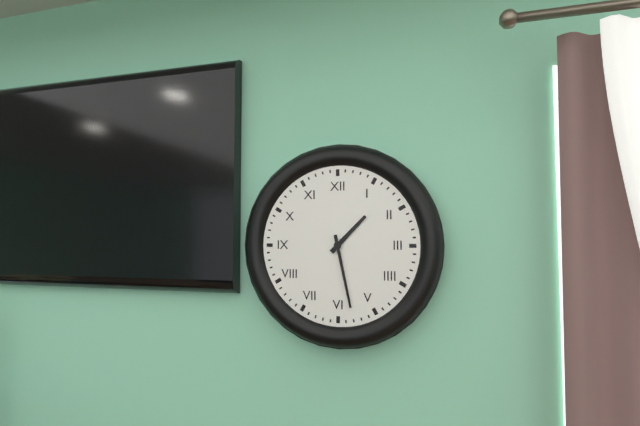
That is 1 h 28 min
